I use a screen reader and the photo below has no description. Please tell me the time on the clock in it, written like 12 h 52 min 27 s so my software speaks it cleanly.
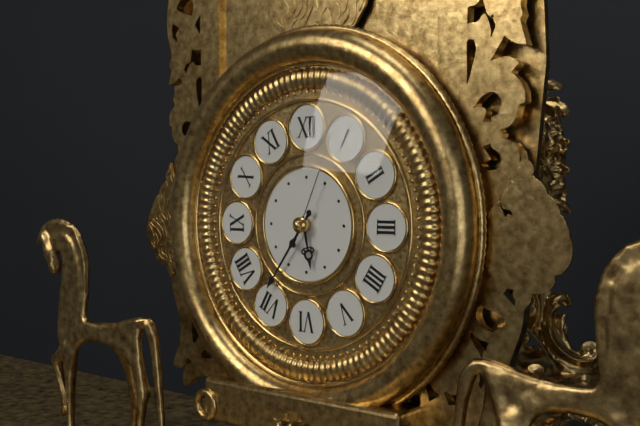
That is 5 h 36 min 04 s
